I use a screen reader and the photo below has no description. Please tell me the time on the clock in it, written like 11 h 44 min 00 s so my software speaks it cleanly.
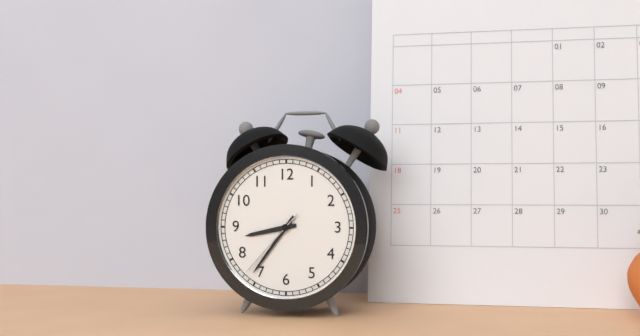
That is 8 h 36 min 37 s
